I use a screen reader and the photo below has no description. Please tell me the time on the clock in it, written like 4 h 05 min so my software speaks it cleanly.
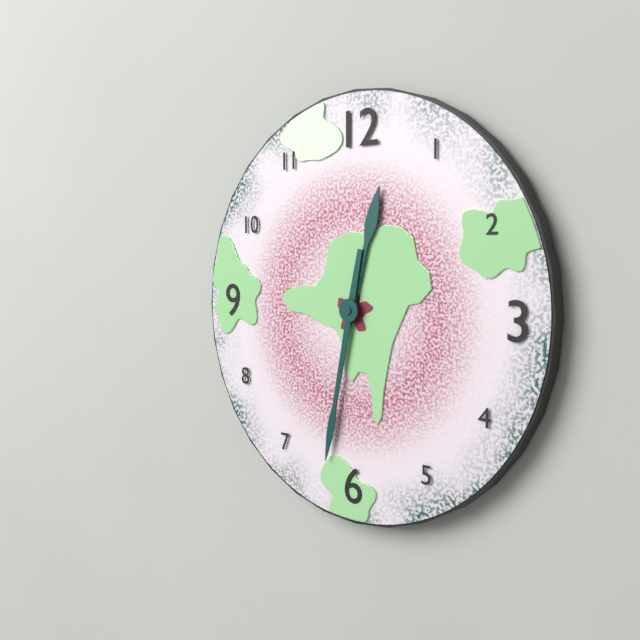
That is 12 h 32 min
